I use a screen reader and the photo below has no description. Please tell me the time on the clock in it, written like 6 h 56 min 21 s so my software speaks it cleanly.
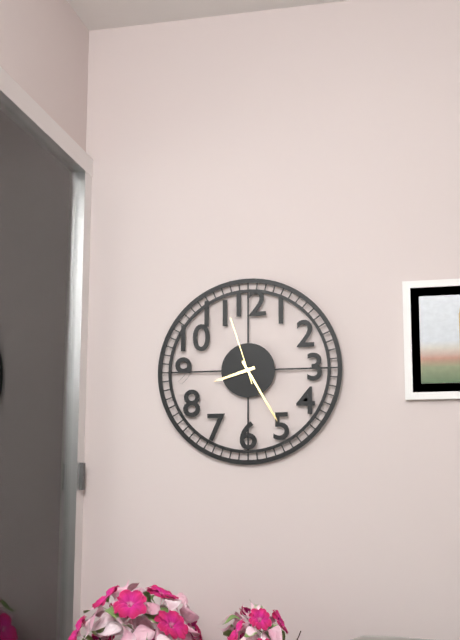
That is 8 h 25 min 57 s
